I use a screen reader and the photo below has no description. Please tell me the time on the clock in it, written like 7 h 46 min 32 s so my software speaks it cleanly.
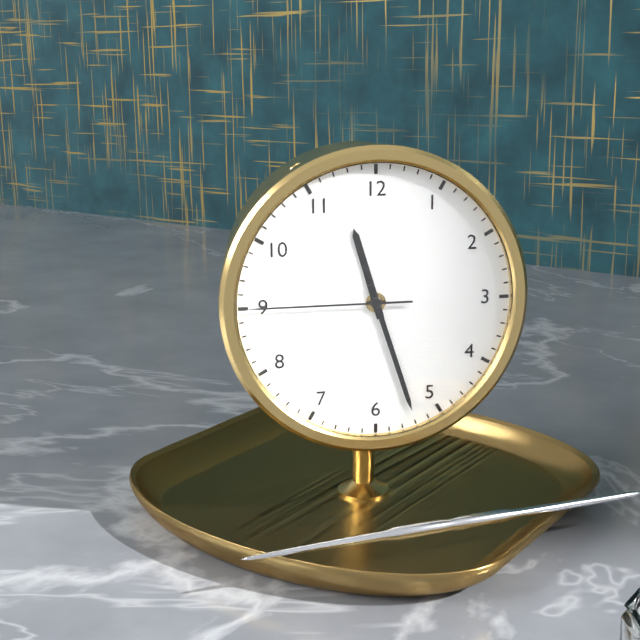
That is 11 h 27 min 45 s
